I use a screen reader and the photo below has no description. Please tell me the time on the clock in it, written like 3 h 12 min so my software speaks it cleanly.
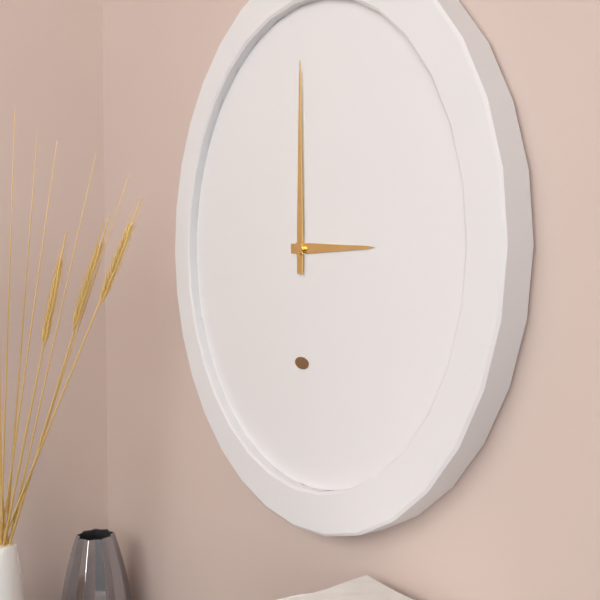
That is 3 h 00 min
